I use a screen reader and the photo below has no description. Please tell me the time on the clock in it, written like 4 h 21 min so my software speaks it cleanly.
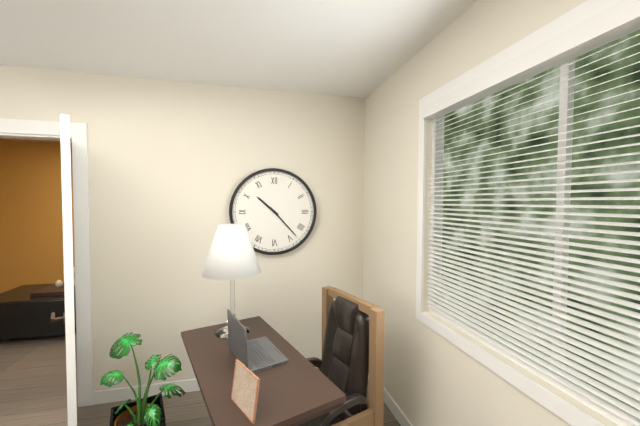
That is 10 h 23 min
